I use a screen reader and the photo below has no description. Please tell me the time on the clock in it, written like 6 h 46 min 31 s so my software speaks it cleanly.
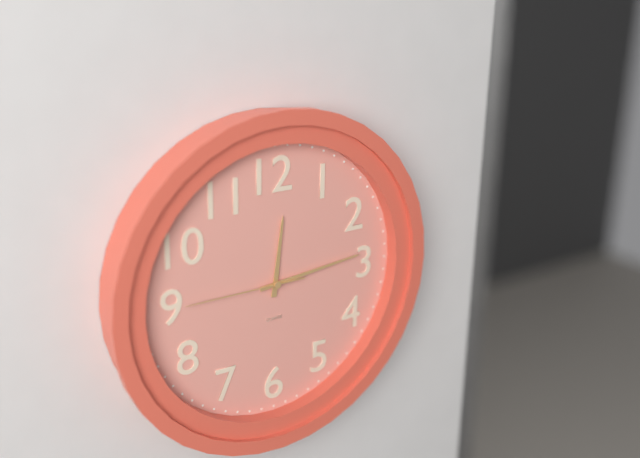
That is 12 h 14 min 45 s
